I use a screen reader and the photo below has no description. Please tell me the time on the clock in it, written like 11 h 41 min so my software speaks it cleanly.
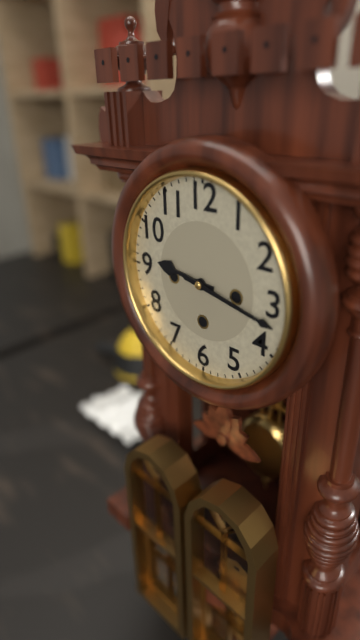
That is 9 h 17 min
